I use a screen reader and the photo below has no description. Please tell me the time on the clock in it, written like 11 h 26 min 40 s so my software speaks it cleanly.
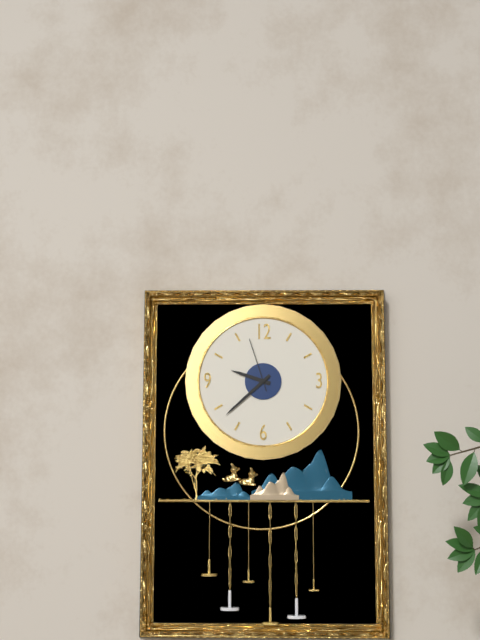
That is 9 h 38 min 57 s
